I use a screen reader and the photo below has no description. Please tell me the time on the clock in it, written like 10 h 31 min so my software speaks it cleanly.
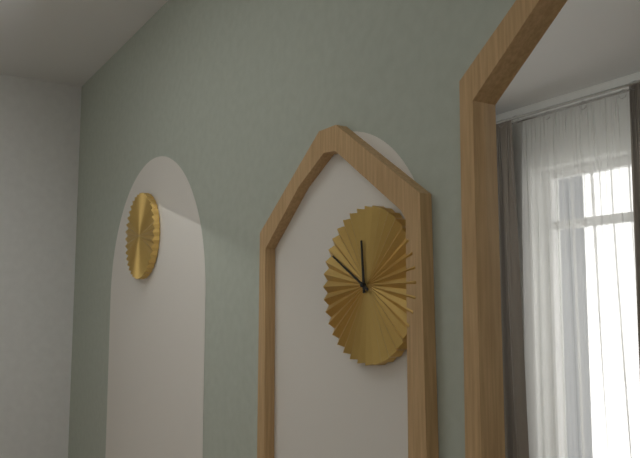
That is 11 h 50 min
